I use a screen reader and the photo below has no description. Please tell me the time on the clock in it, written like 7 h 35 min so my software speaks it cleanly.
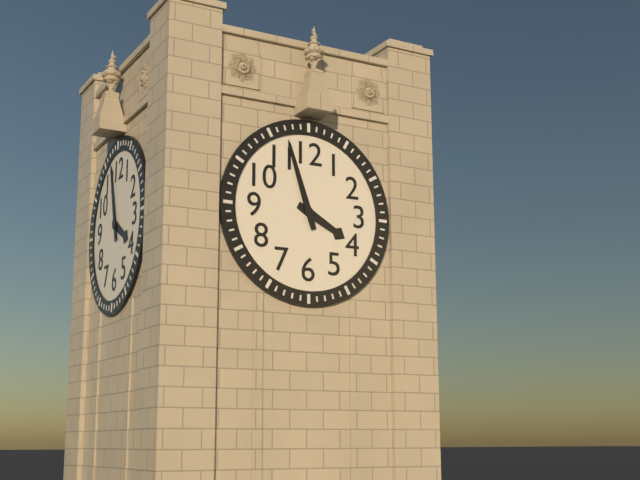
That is 3 h 57 min
